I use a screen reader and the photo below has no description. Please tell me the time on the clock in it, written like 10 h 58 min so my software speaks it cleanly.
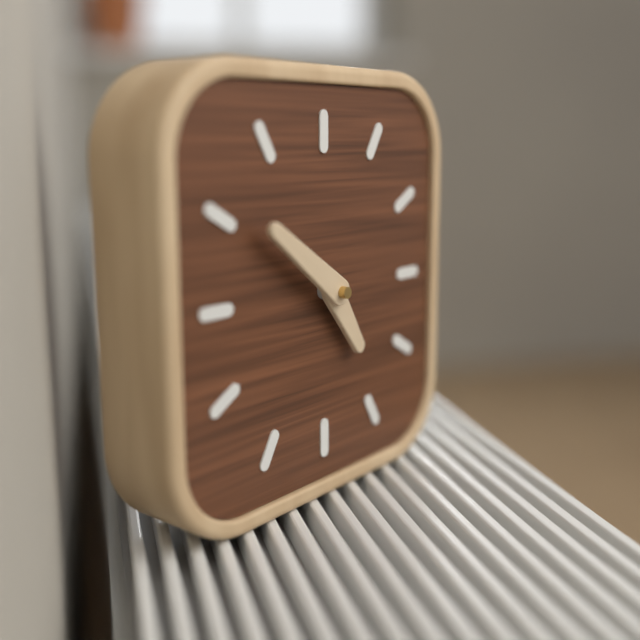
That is 4 h 51 min
